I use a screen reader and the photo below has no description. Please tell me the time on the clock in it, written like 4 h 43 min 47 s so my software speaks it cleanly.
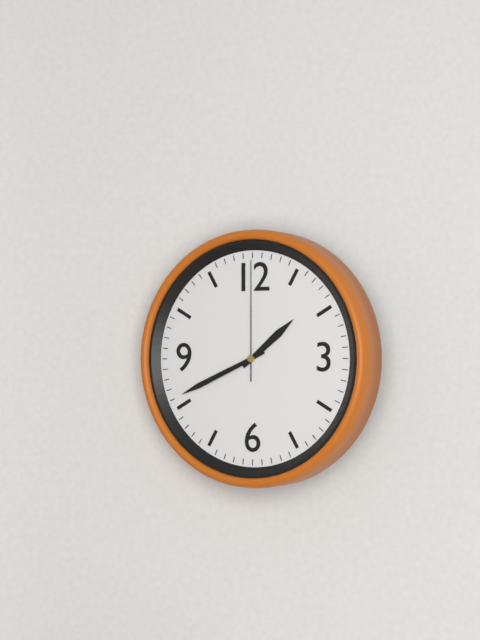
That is 1 h 41 min 00 s
